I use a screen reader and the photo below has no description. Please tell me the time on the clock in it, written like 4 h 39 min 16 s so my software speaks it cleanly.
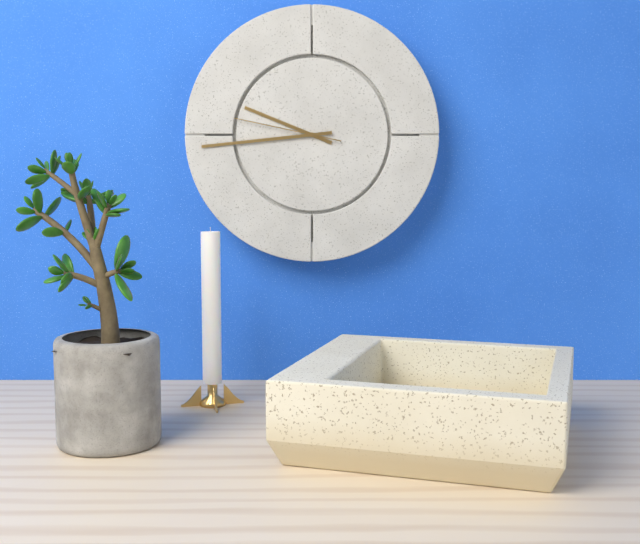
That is 9 h 44 min 47 s
